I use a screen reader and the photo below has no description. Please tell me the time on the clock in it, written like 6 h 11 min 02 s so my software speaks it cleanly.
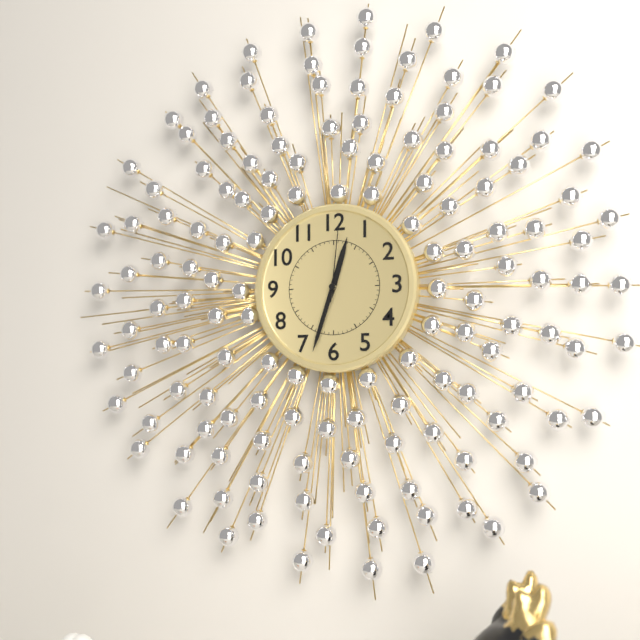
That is 12 h 33 min 01 s
